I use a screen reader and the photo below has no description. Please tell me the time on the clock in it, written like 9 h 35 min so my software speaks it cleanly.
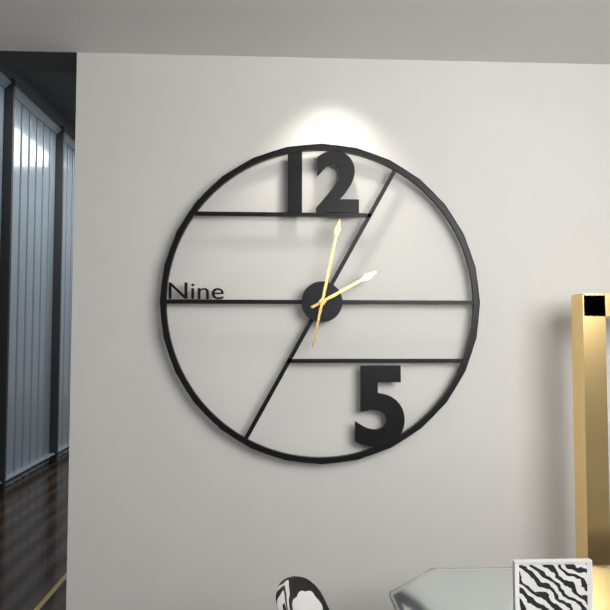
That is 2 h 02 min
